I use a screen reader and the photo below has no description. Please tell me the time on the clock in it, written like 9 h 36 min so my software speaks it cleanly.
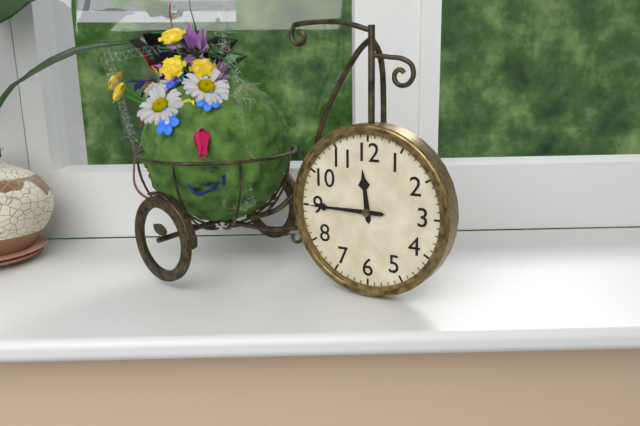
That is 11 h 45 min
